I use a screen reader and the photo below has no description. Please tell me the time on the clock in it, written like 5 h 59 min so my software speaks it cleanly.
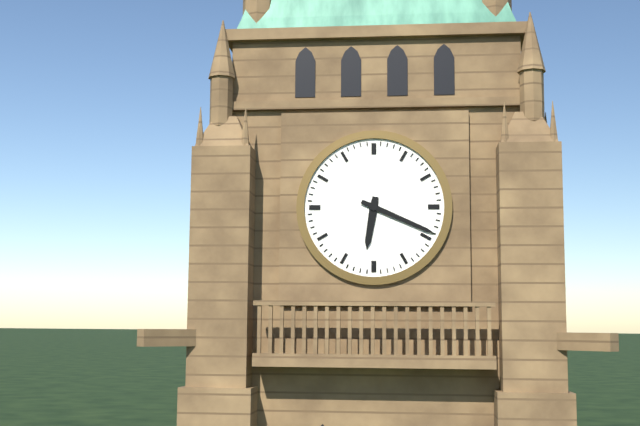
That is 6 h 19 min
